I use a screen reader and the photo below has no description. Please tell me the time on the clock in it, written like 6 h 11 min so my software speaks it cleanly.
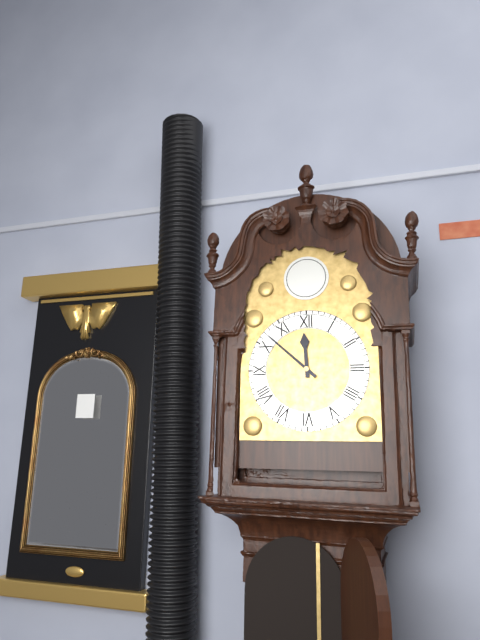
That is 11 h 52 min
